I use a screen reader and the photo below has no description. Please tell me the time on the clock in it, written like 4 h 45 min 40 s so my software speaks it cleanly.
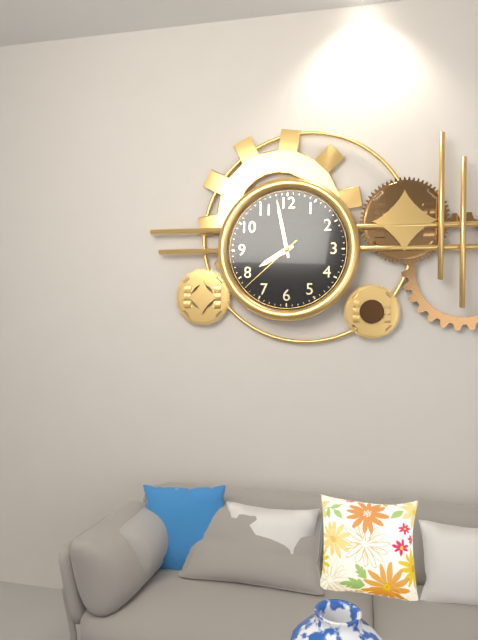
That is 7 h 58 min 38 s
